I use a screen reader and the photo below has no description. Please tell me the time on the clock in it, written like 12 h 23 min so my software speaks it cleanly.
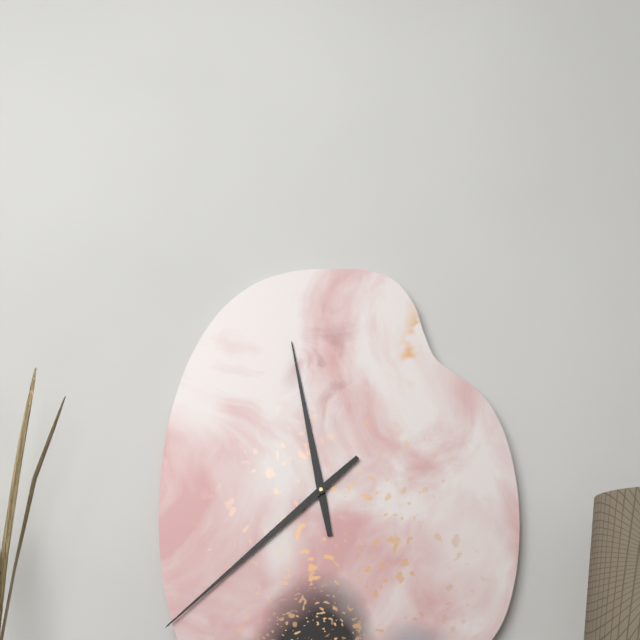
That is 11 h 38 min
